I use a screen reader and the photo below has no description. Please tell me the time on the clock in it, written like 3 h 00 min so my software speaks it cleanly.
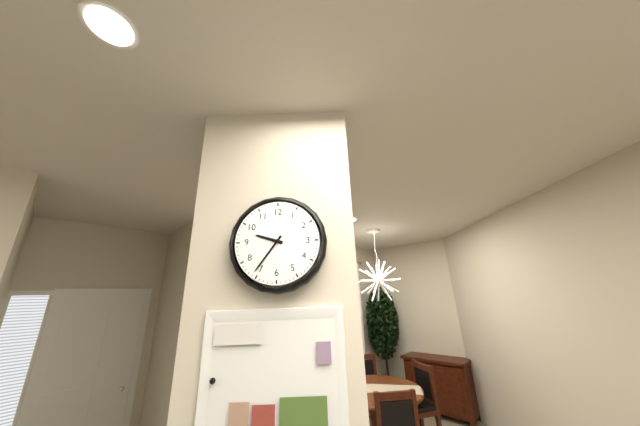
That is 9 h 36 min
